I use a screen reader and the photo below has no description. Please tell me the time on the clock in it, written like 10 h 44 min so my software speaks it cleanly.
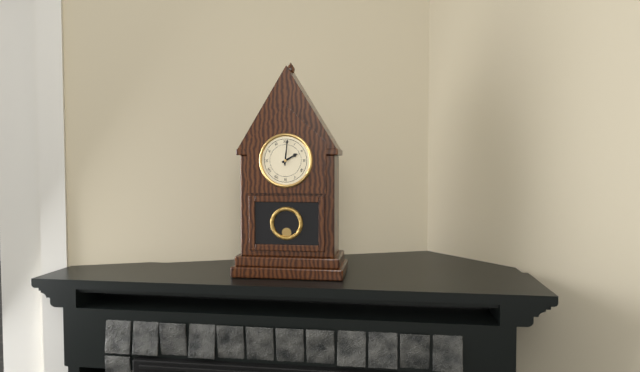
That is 2 h 01 min
